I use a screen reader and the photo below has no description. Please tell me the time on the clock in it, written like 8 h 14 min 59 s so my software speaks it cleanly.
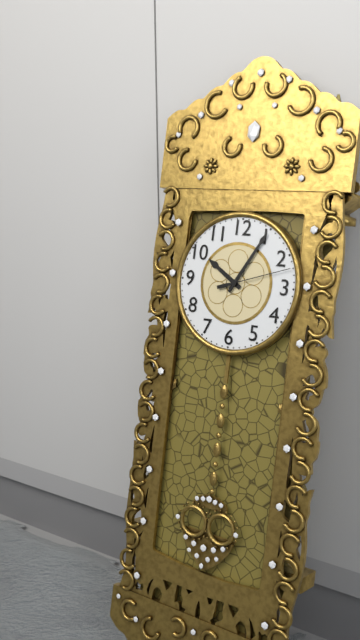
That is 10 h 05 min 12 s
